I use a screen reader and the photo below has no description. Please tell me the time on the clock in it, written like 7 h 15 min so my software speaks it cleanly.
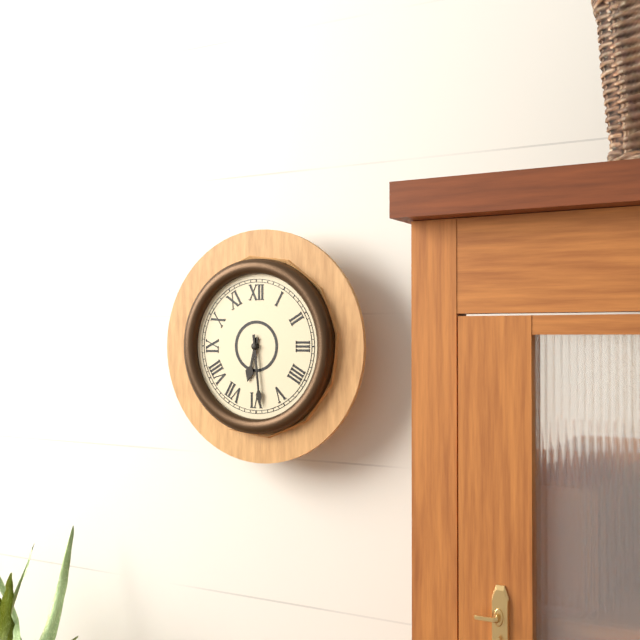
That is 6 h 29 min
